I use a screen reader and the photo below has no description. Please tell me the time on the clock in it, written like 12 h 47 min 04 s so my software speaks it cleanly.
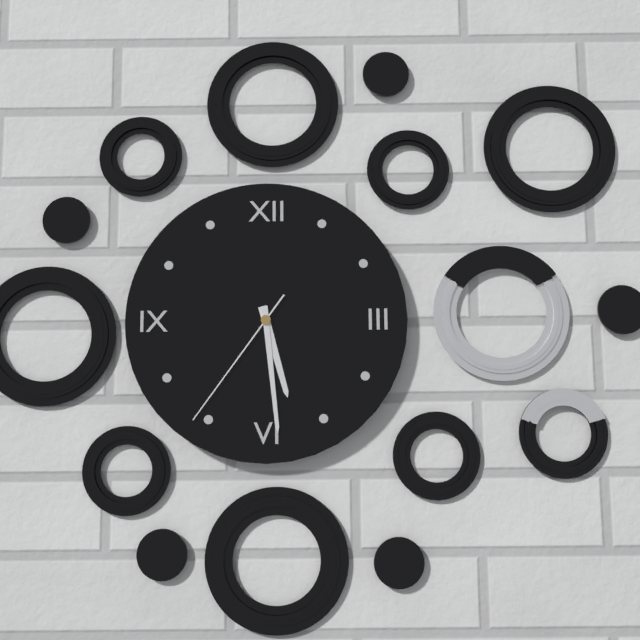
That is 5 h 29 min 36 s
